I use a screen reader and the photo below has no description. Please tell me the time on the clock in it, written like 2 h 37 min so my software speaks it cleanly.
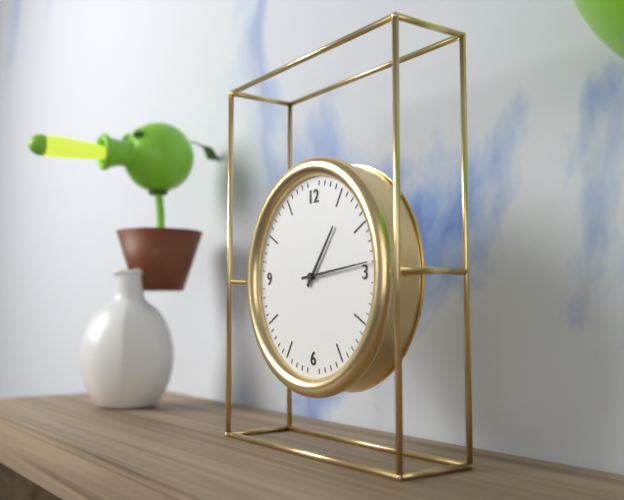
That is 1 h 14 min
